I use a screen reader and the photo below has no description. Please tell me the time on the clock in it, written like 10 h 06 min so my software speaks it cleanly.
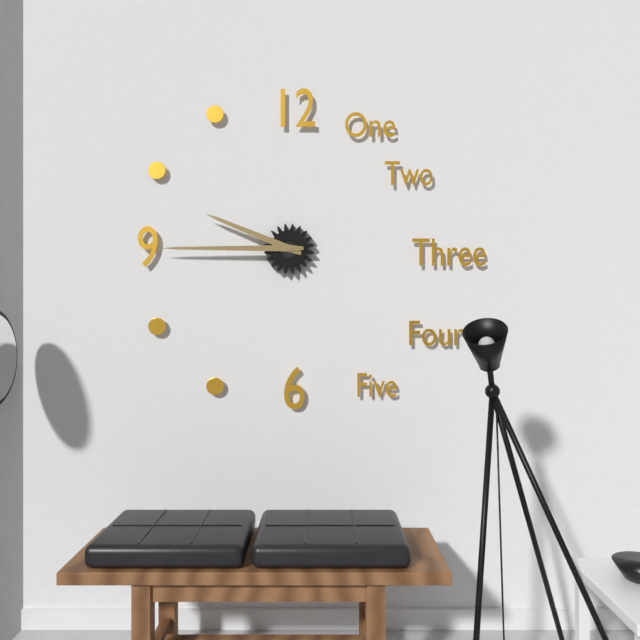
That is 9 h 45 min
